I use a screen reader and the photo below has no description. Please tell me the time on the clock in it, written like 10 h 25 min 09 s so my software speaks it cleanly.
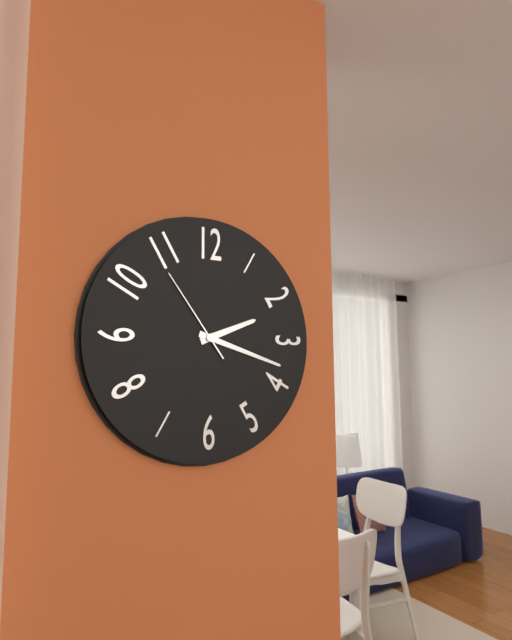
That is 2 h 18 min 54 s
